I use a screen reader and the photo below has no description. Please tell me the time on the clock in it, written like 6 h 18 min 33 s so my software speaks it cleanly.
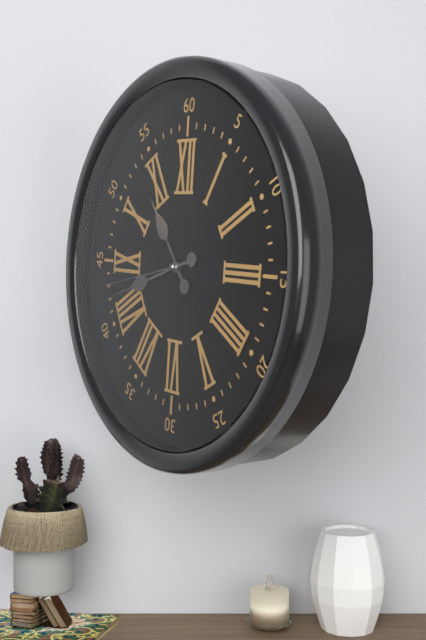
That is 10 h 42 min 43 s
